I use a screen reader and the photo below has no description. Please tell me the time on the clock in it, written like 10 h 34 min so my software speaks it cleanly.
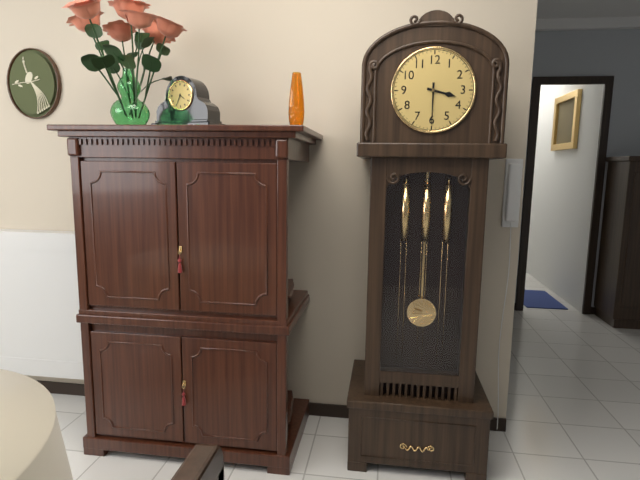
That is 3 h 30 min
